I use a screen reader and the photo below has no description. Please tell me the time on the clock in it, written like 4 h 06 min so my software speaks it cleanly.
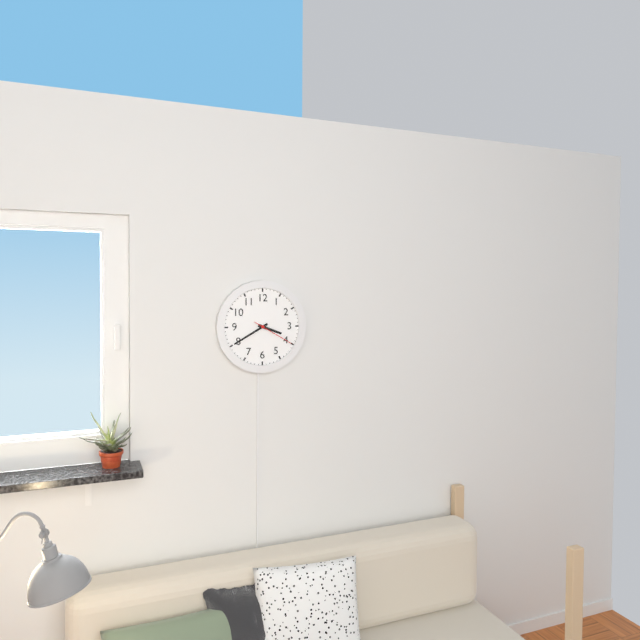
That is 3 h 40 min
